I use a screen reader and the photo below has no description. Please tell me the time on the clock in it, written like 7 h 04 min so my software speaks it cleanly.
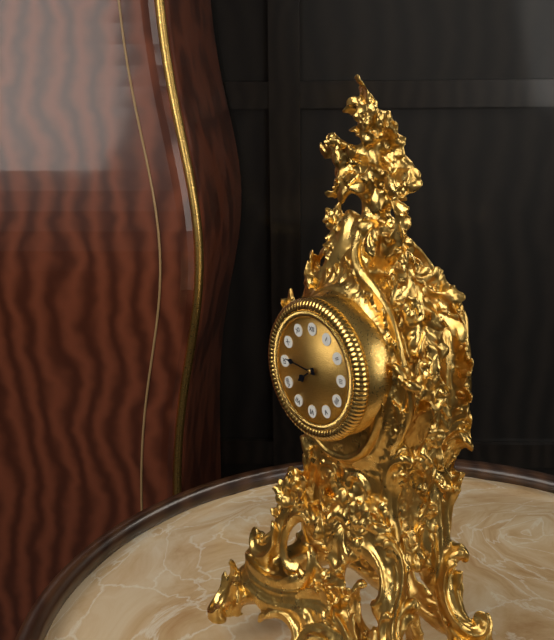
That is 7 h 46 min
